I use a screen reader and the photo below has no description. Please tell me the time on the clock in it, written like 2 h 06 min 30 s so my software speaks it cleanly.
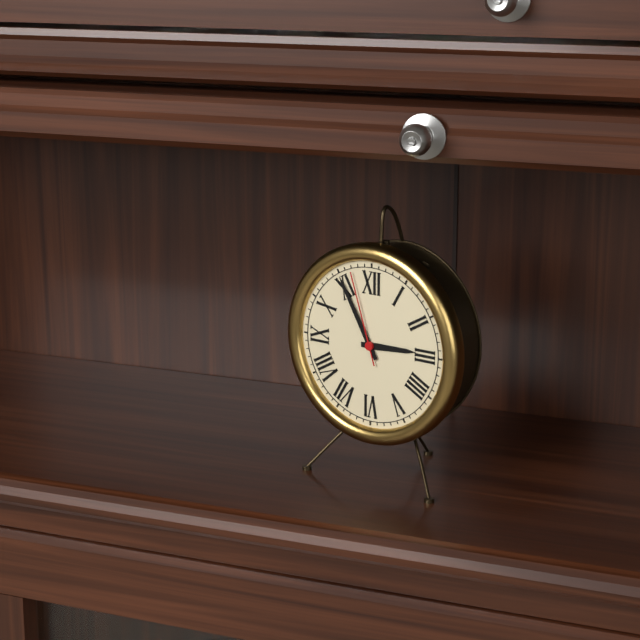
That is 2 h 55 min 57 s
